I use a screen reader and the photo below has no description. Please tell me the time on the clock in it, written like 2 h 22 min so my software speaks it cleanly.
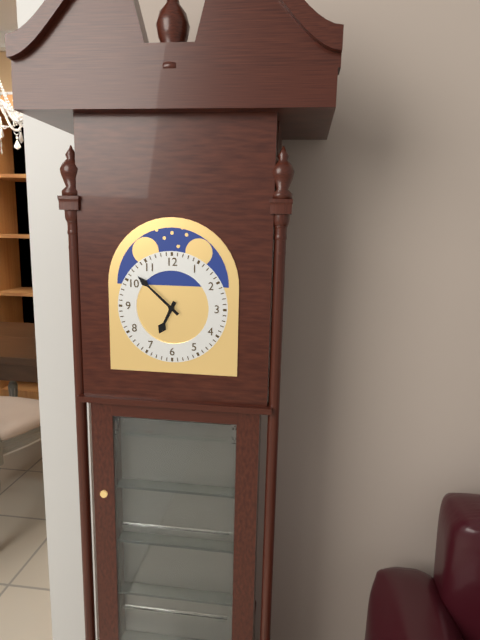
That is 6 h 52 min
